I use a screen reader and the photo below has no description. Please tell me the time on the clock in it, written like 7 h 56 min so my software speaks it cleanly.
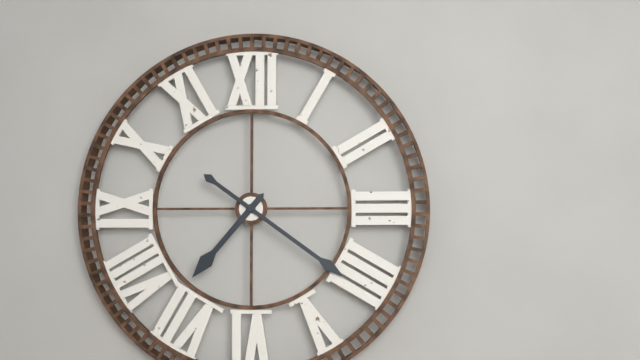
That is 7 h 21 min
